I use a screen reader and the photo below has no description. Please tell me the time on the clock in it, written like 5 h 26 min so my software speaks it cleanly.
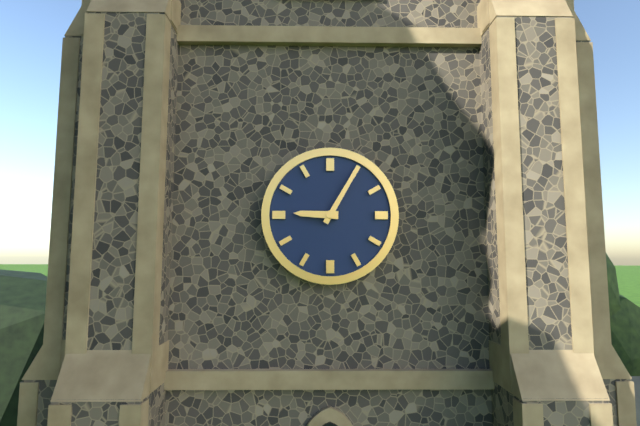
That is 9 h 05 min
